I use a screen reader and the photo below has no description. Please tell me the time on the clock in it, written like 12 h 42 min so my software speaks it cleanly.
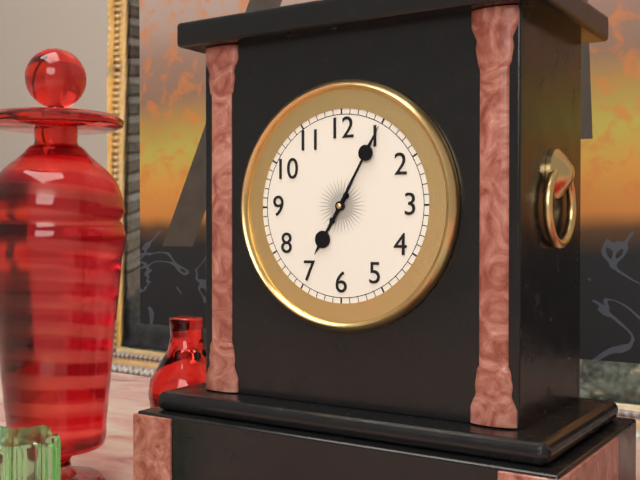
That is 7 h 05 min
